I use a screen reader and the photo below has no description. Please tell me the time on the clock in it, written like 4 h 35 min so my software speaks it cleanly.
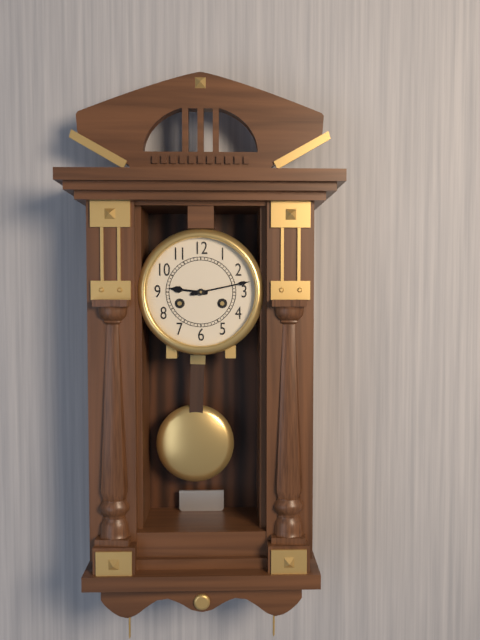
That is 9 h 13 min
